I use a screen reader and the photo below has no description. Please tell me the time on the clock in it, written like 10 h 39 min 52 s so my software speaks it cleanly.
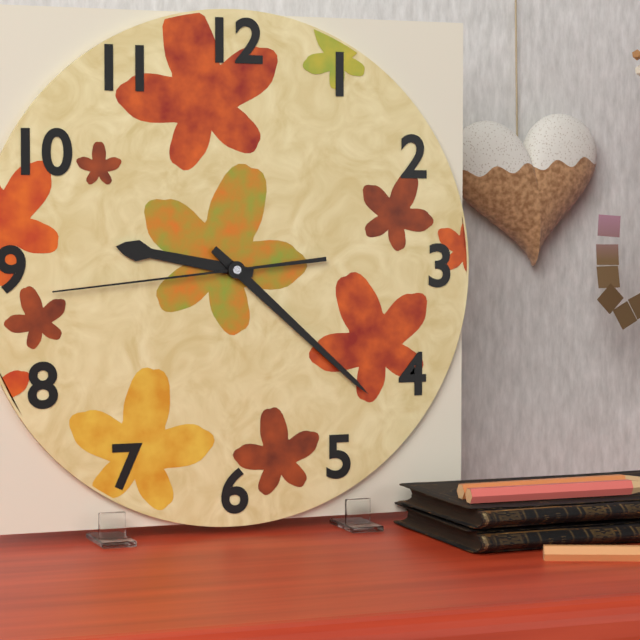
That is 9 h 22 min 44 s
